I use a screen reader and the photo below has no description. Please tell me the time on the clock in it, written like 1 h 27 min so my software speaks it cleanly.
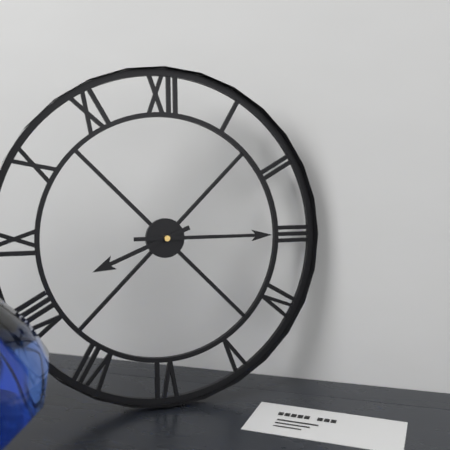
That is 8 h 15 min
